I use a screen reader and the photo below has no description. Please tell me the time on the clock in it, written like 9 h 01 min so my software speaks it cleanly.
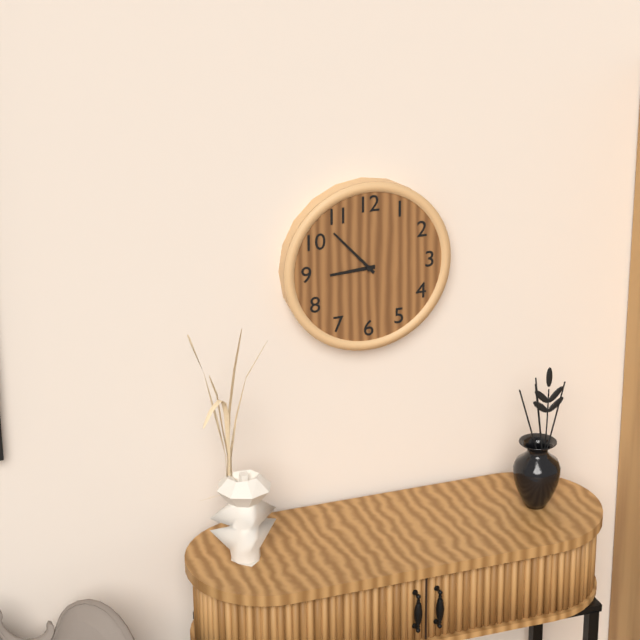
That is 8 h 53 min
